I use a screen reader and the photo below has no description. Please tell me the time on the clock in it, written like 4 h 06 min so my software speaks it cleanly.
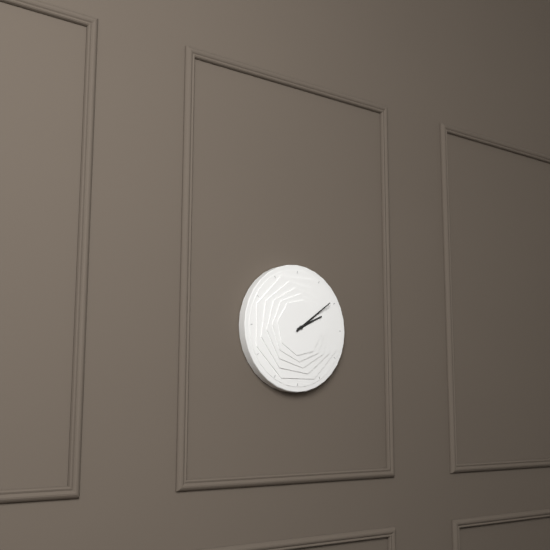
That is 2 h 09 min
